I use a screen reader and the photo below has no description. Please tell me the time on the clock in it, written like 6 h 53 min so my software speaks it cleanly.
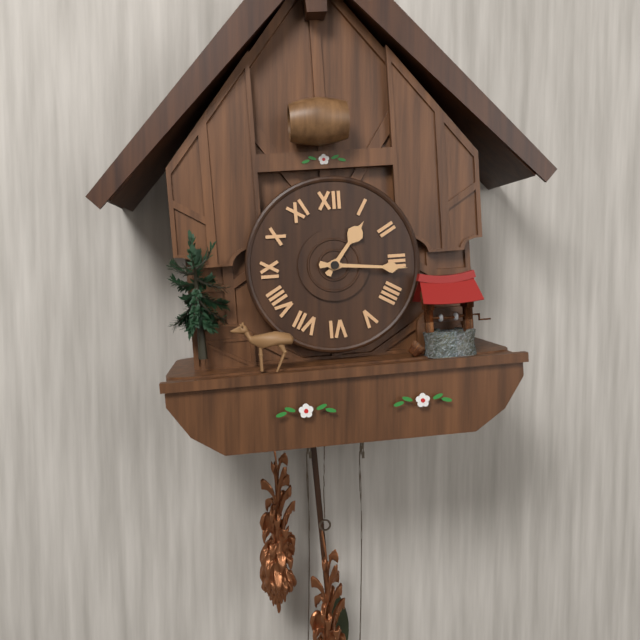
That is 1 h 16 min
